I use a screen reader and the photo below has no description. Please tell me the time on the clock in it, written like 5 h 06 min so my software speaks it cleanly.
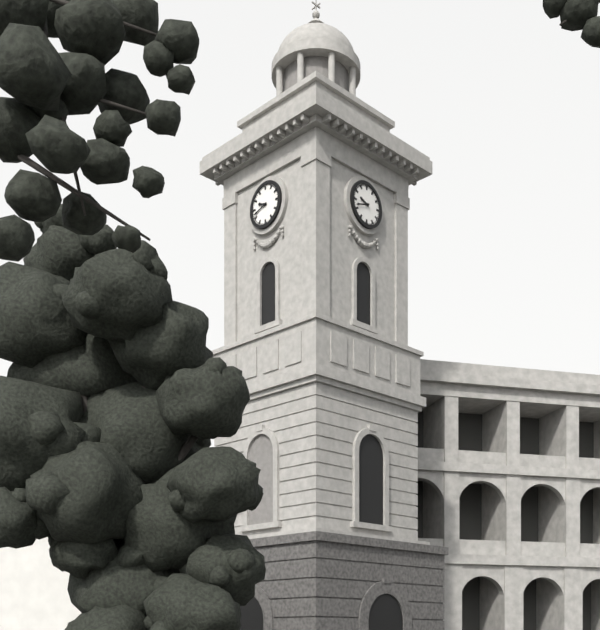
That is 9 h 42 min
